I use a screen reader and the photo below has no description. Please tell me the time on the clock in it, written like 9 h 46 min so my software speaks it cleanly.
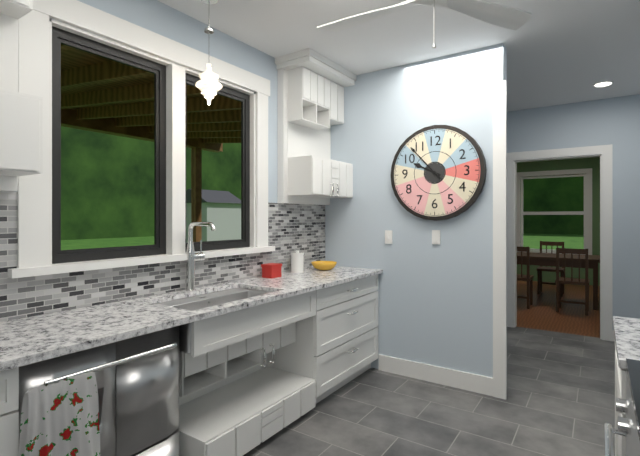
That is 9 h 53 min
